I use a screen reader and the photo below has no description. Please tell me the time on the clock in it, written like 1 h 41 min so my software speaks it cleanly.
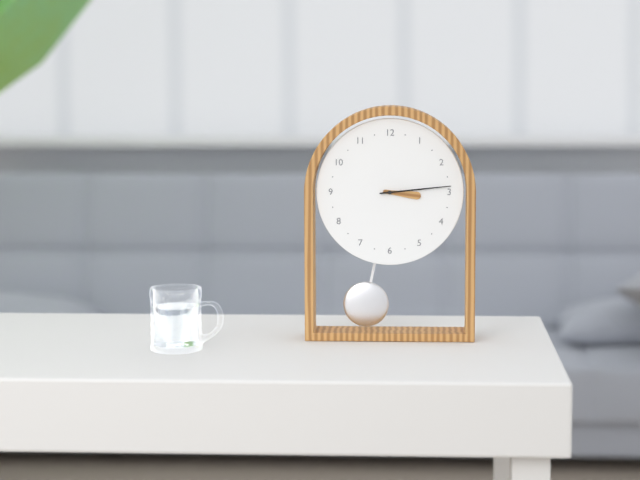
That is 3 h 14 min
